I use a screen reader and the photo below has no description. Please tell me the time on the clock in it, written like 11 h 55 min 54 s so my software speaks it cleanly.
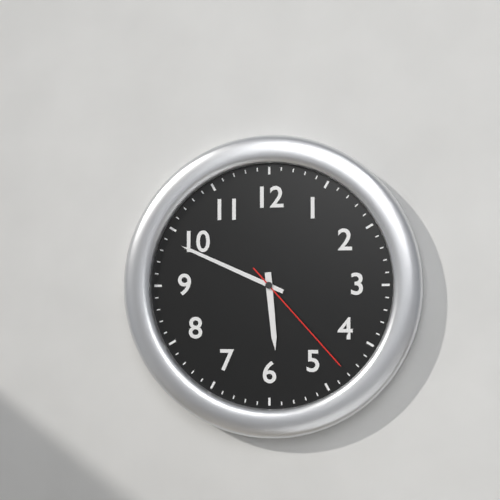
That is 5 h 49 min 23 s
